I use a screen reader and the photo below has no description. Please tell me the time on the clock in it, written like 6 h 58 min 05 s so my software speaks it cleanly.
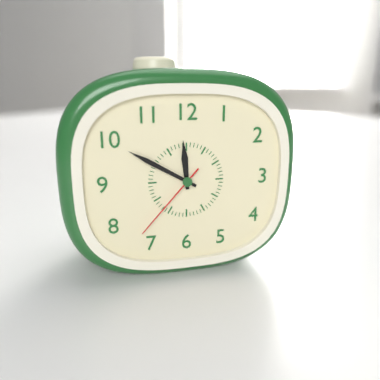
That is 11 h 50 min 37 s
